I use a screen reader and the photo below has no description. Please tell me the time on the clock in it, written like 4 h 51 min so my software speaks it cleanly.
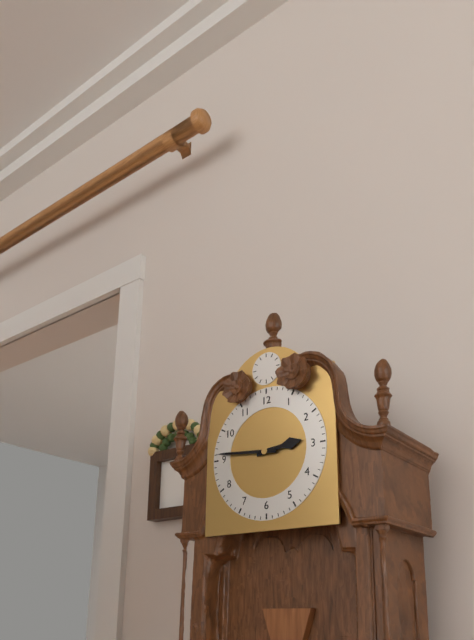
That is 2 h 46 min
